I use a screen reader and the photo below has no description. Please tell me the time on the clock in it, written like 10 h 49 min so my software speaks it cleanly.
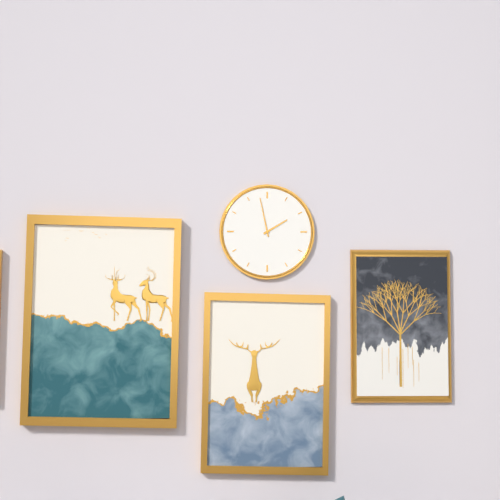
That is 1 h 58 min
